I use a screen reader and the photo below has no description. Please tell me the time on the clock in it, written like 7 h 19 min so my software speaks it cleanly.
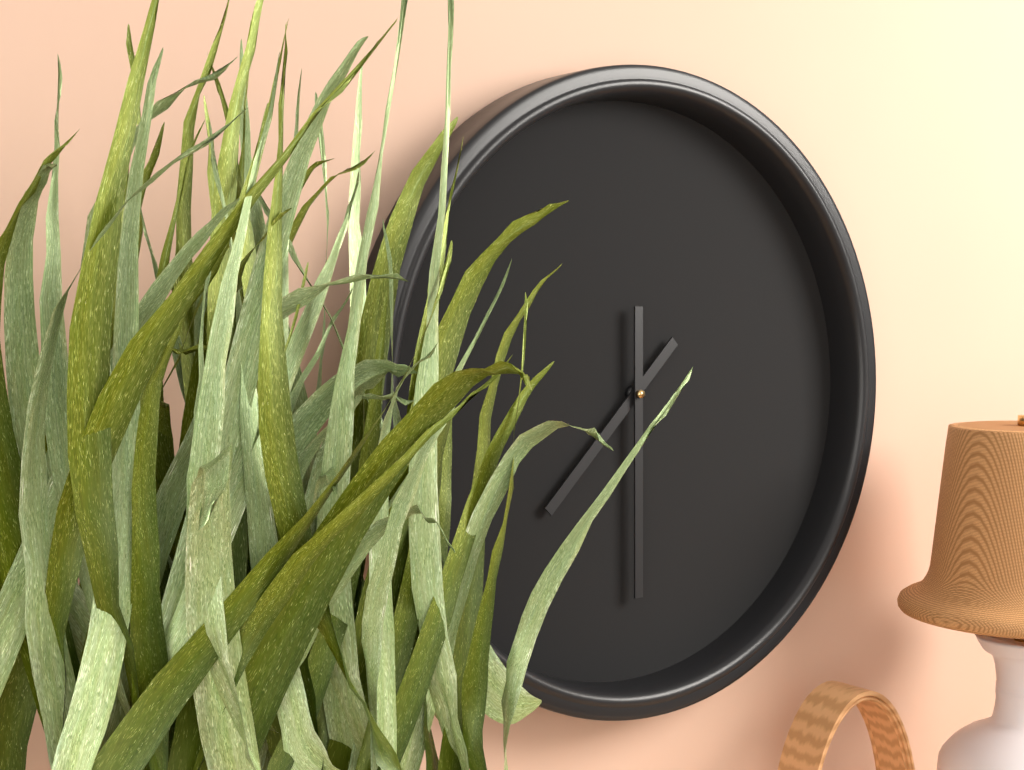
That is 7 h 30 min
